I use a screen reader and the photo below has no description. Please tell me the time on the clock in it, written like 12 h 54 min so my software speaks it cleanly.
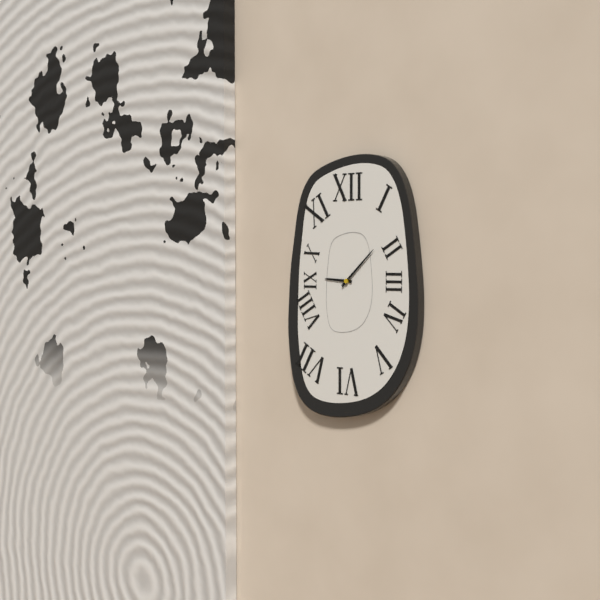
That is 9 h 08 min
